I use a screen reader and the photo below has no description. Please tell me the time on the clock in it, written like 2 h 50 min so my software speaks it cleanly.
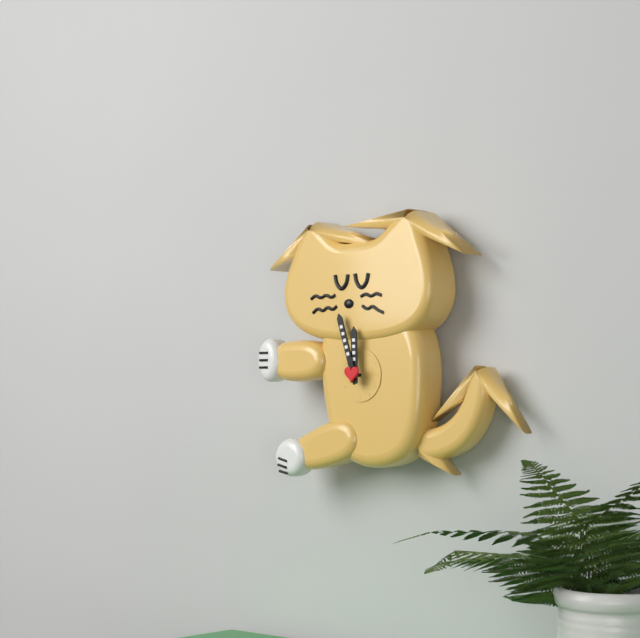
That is 11 h 57 min
